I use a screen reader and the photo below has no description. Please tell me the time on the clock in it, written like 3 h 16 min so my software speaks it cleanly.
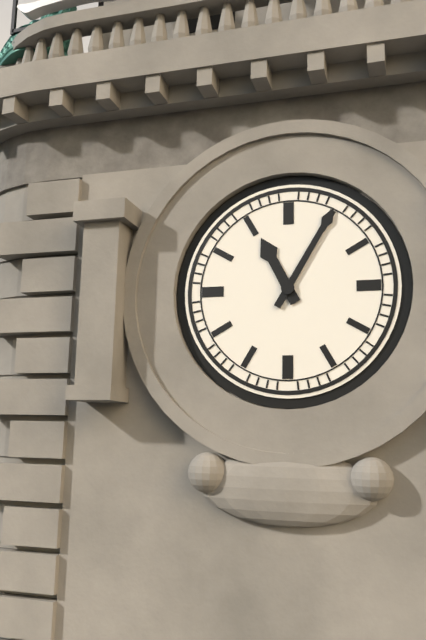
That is 11 h 05 min
